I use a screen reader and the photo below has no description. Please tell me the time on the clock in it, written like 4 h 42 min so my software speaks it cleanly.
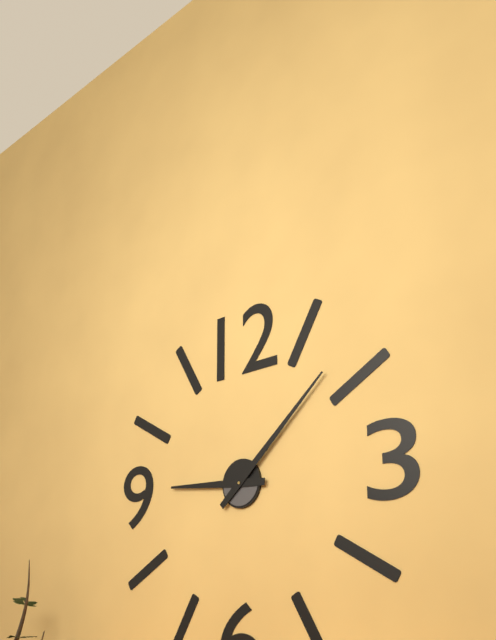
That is 9 h 08 min
